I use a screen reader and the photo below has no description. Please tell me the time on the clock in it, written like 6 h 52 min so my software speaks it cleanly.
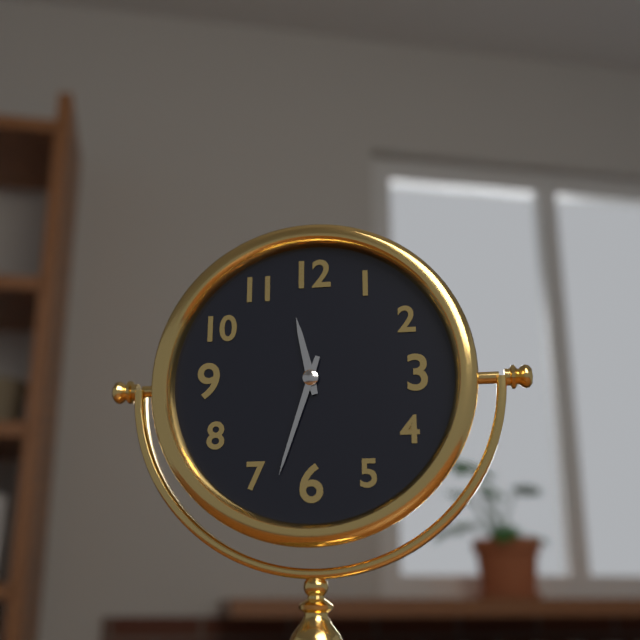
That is 11 h 33 min
